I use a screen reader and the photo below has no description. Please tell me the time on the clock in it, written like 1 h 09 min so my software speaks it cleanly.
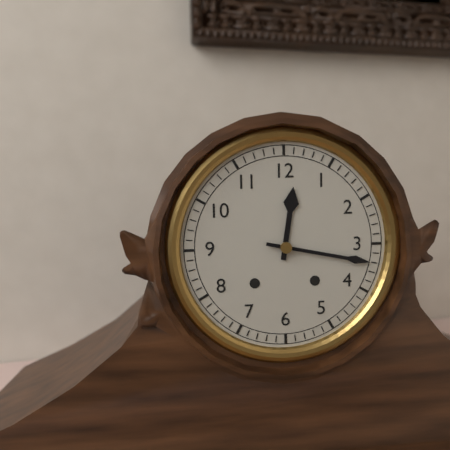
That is 12 h 17 min
